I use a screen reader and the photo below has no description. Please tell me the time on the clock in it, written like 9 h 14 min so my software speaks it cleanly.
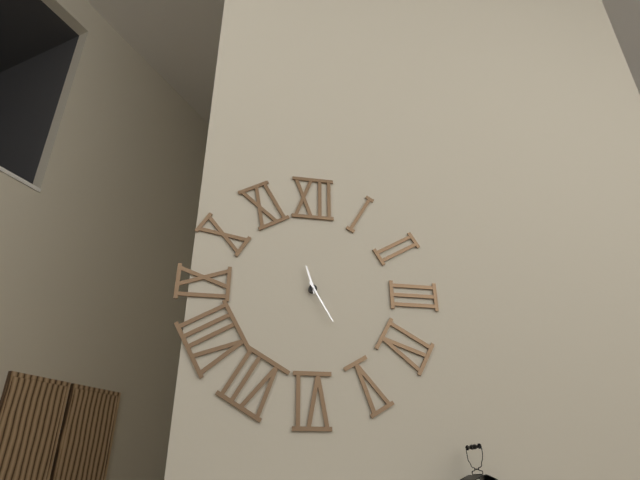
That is 11 h 25 min
